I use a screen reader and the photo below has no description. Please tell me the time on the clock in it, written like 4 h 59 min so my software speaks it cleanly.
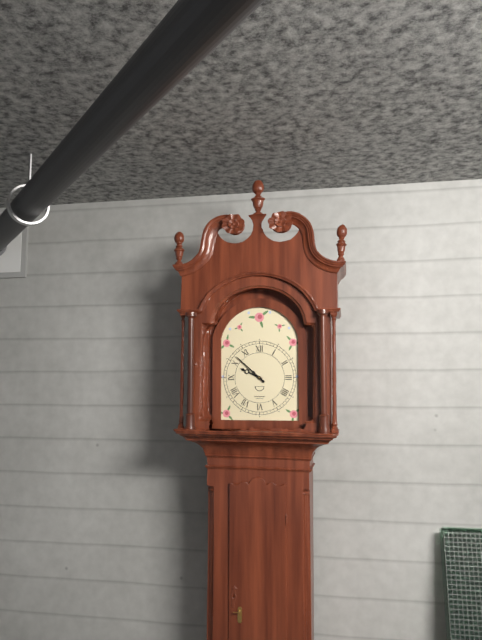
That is 9 h 52 min
